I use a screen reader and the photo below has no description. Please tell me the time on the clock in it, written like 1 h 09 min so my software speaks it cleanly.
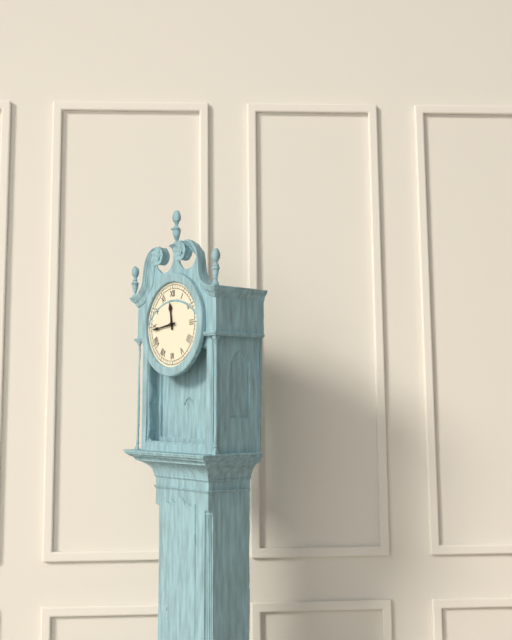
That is 11 h 44 min
